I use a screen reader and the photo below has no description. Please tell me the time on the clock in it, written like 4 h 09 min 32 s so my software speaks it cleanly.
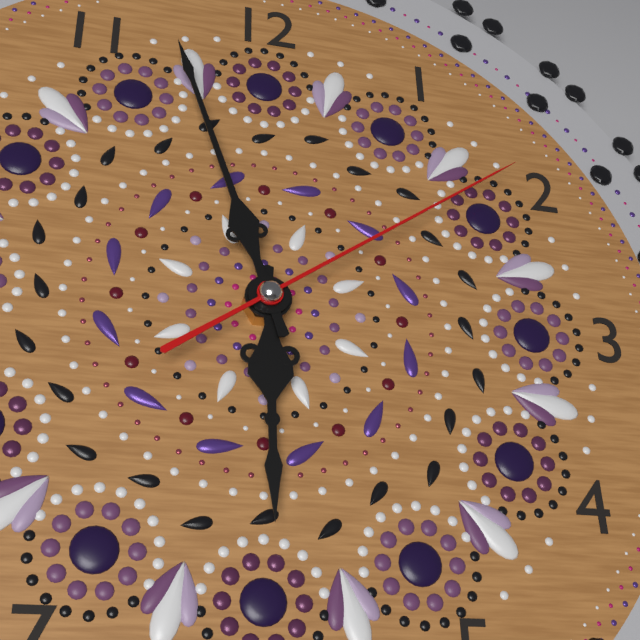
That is 5 h 57 min 09 s
